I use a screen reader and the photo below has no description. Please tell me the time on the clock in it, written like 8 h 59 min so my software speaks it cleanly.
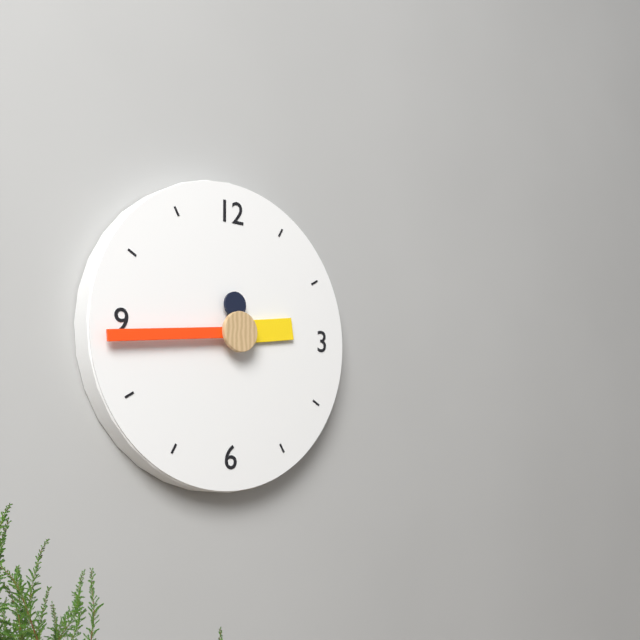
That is 2 h 44 min
